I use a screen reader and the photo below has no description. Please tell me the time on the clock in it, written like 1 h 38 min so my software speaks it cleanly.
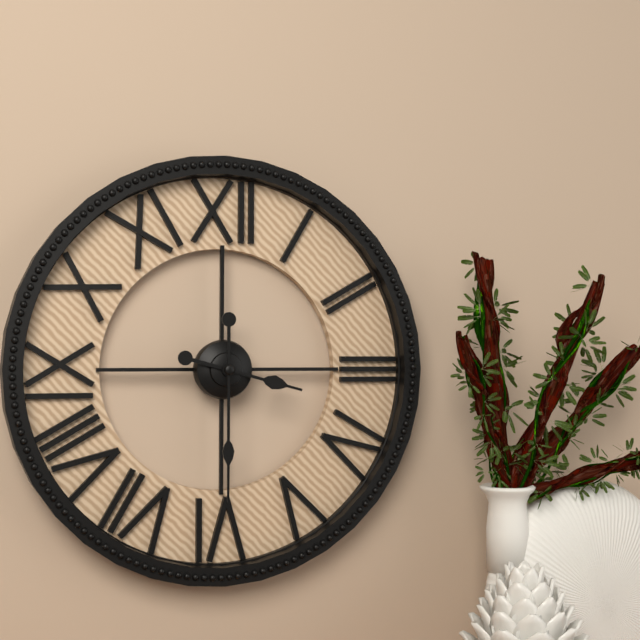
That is 3 h 30 min
